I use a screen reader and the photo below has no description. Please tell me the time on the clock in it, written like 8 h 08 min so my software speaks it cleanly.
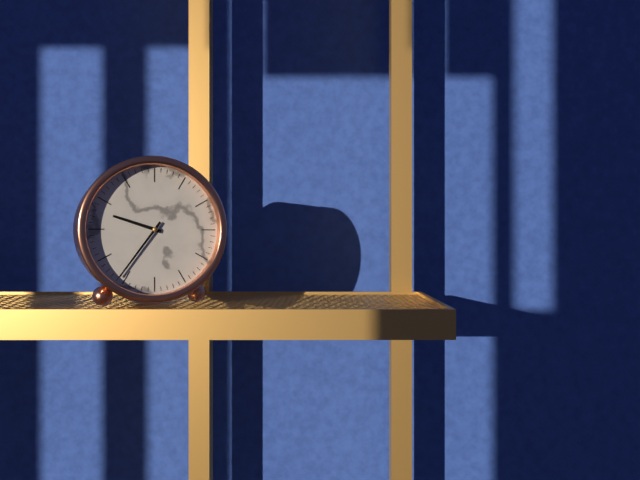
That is 9 h 36 min
